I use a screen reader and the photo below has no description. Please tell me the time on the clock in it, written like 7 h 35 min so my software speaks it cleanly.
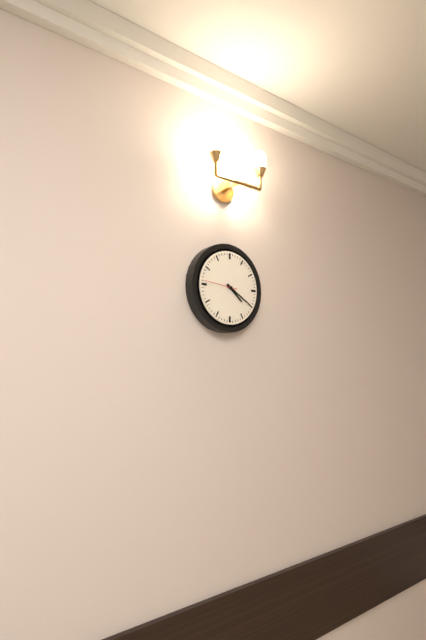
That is 4 h 20 min
